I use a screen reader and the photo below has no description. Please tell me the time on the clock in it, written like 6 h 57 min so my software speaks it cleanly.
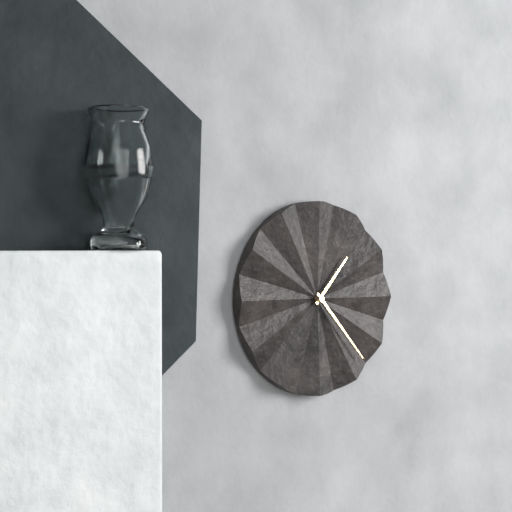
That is 1 h 23 min
